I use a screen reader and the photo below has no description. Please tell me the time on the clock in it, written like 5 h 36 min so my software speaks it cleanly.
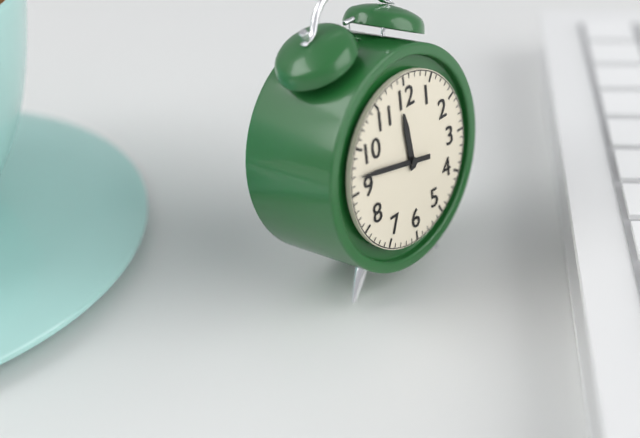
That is 11 h 47 min
